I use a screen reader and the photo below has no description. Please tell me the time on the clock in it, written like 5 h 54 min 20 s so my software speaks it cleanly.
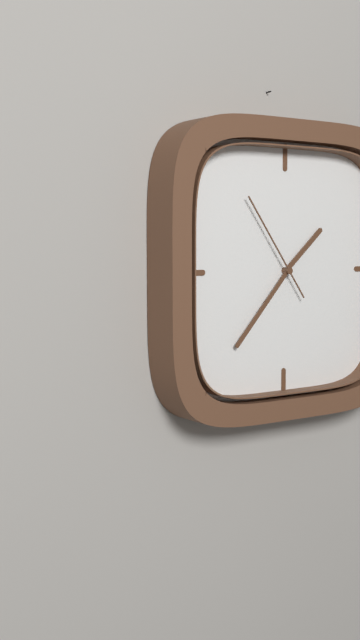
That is 1 h 37 min 54 s
